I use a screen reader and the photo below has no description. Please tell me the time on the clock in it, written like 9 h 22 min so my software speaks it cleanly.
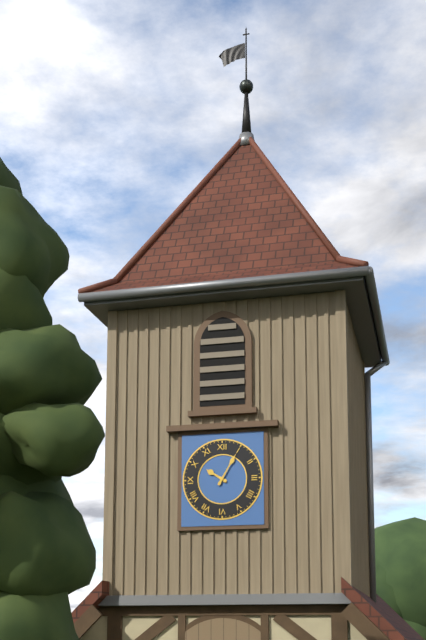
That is 10 h 05 min
